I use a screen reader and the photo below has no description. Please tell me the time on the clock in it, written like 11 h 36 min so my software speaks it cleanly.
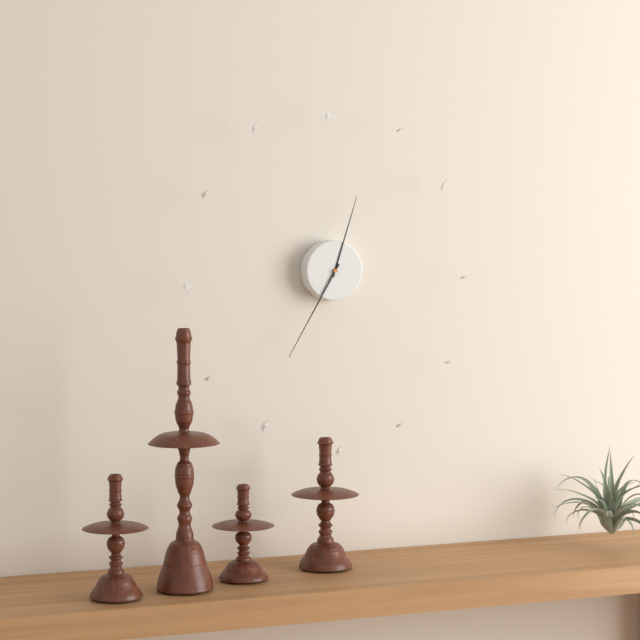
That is 12 h 35 min
